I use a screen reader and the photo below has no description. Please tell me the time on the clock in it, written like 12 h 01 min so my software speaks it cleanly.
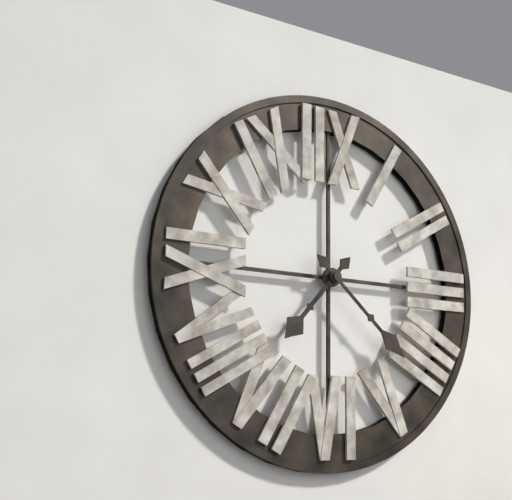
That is 7 h 22 min
